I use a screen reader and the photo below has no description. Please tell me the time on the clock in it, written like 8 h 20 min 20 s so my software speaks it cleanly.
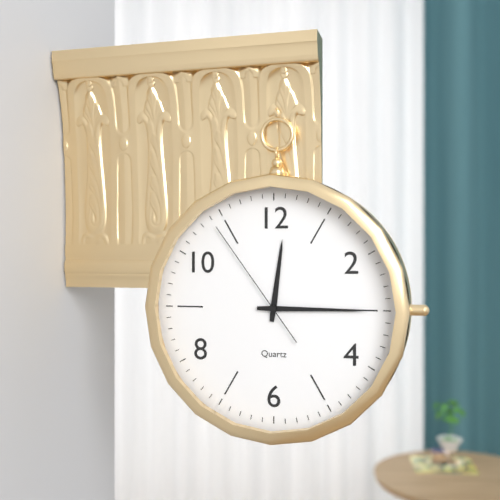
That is 12 h 15 min 54 s
